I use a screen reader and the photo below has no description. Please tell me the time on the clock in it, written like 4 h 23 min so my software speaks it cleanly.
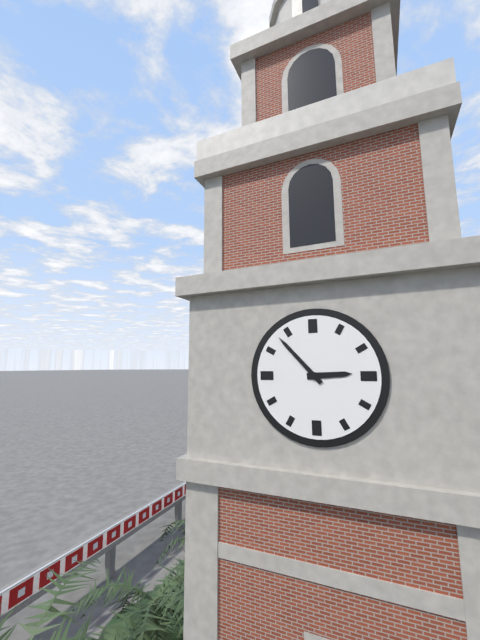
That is 2 h 53 min
